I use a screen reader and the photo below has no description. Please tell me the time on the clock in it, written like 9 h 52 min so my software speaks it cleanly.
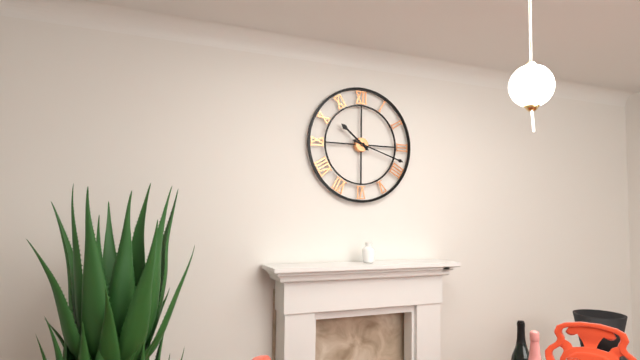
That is 10 h 18 min
